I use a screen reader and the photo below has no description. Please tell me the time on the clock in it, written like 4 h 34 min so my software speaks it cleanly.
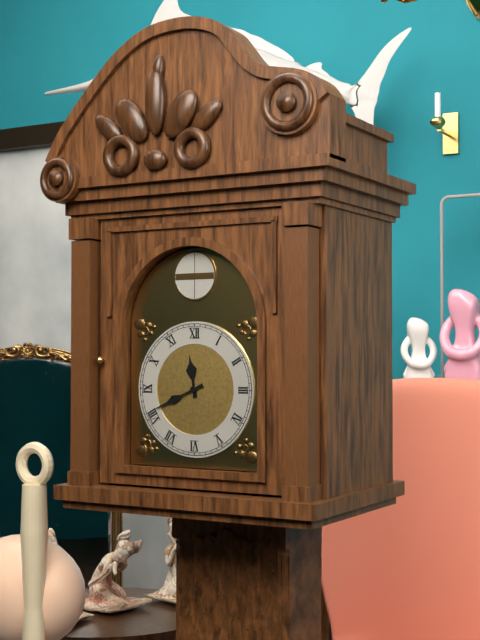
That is 11 h 41 min
